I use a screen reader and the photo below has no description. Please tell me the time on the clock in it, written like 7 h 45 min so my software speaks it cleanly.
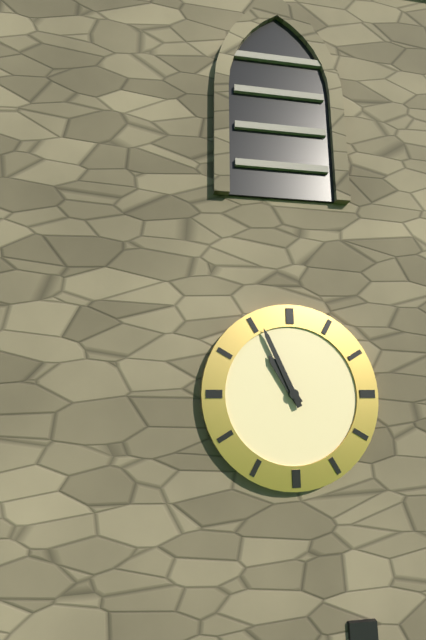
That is 10 h 56 min
